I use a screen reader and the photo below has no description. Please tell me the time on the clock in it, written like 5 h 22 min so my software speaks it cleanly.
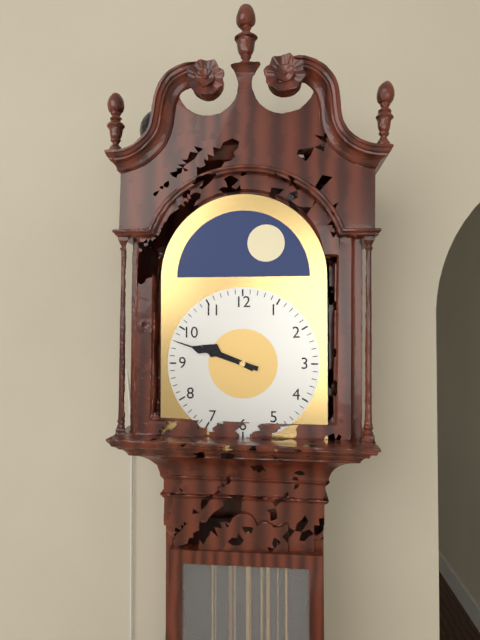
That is 9 h 48 min
